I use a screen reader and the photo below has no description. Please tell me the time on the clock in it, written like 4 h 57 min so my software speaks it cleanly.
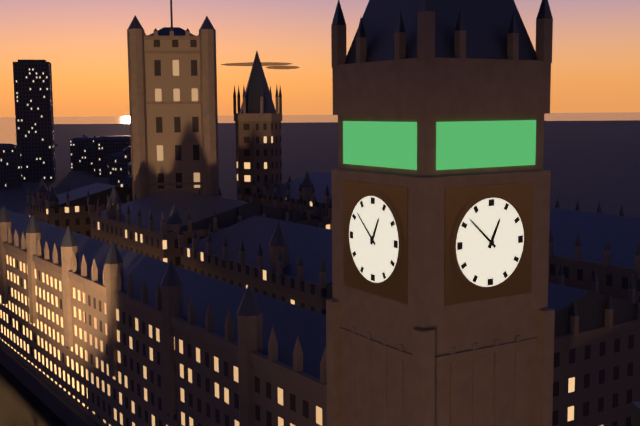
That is 12 h 52 min
